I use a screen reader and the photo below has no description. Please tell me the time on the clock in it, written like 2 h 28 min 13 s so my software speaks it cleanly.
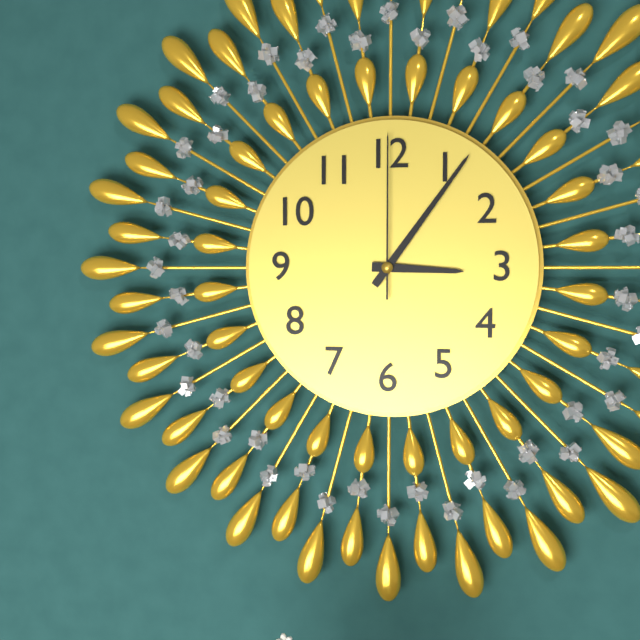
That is 3 h 06 min 00 s
